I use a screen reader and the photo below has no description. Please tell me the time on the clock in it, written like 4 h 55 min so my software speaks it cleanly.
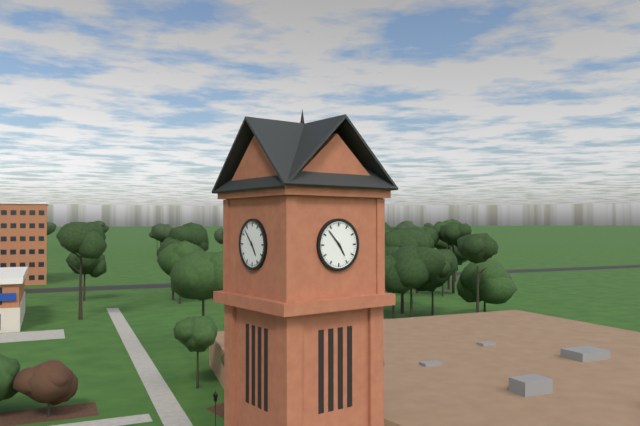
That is 4 h 53 min
